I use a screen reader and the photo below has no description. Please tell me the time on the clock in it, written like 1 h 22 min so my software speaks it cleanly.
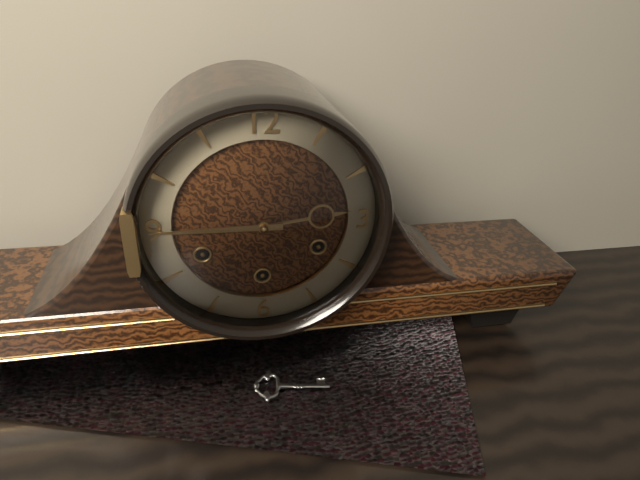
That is 2 h 45 min
